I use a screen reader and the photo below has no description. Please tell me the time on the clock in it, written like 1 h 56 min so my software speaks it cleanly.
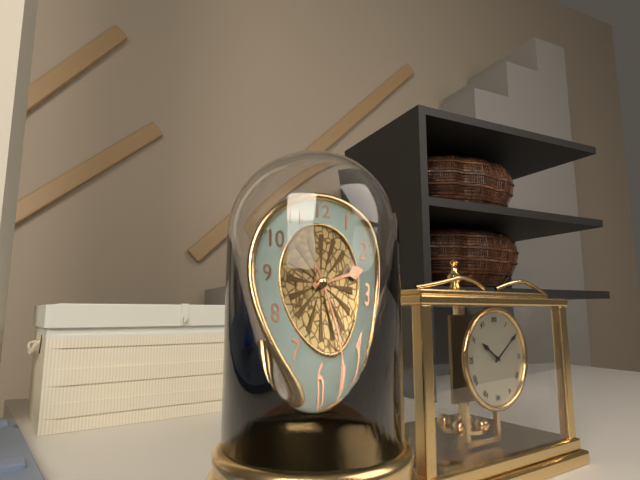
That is 2 h 25 min
